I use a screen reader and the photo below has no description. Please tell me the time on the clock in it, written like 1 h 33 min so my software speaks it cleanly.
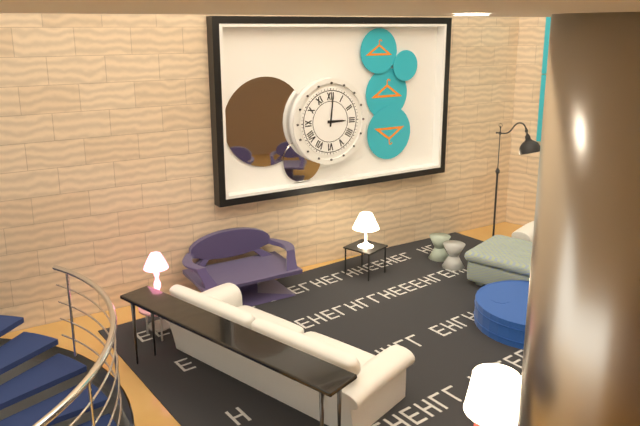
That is 3 h 01 min
